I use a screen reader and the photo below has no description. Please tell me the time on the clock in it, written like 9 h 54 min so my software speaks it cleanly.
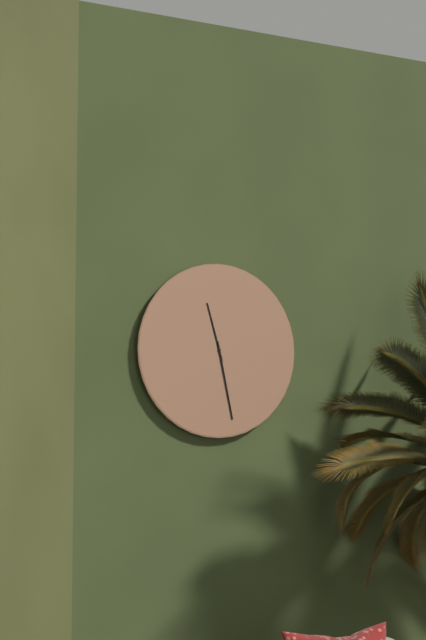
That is 11 h 28 min
